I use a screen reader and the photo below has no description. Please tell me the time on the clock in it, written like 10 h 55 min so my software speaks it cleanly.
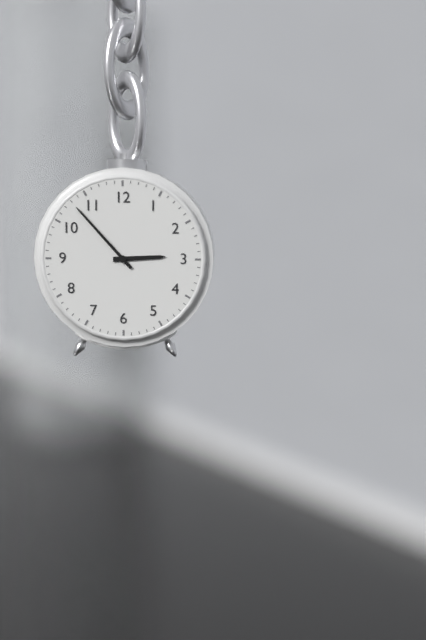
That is 2 h 53 min
